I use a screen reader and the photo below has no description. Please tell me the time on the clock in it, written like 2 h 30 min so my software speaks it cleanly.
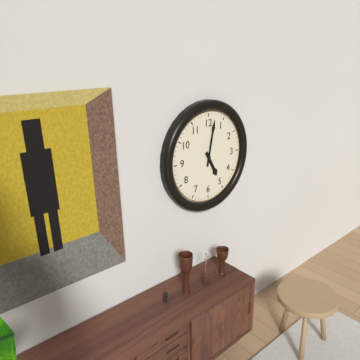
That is 5 h 02 min
